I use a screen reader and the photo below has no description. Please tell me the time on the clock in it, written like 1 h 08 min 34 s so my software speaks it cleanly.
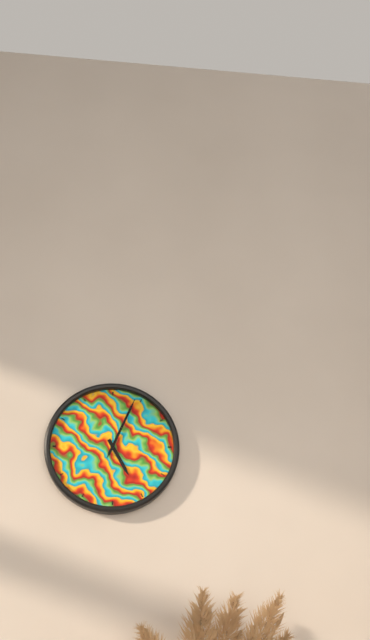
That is 5 h 04 min 04 s
